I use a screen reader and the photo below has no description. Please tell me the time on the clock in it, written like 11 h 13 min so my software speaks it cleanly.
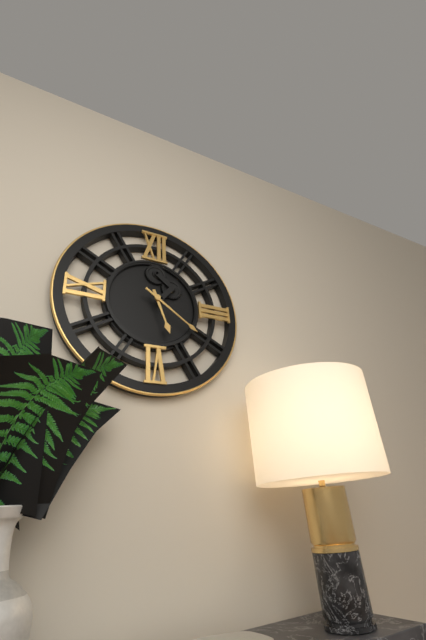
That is 5 h 21 min
